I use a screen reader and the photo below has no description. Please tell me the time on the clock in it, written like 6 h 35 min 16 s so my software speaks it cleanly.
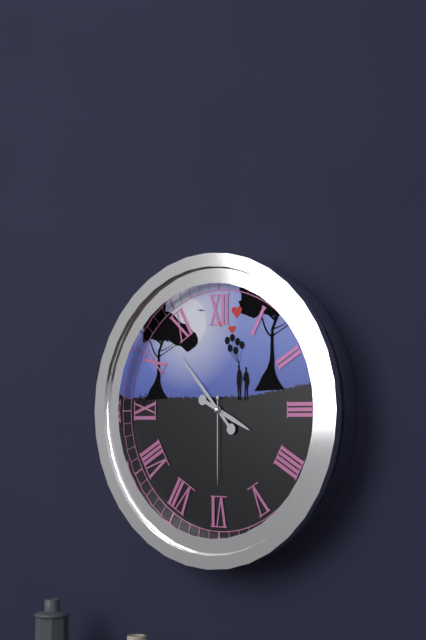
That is 3 h 53 min 30 s
